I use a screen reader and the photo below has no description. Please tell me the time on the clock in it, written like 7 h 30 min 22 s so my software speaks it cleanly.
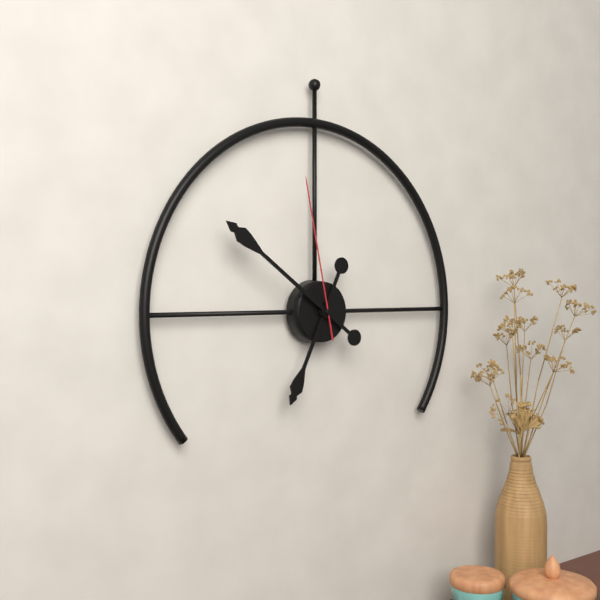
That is 6 h 51 min 58 s
